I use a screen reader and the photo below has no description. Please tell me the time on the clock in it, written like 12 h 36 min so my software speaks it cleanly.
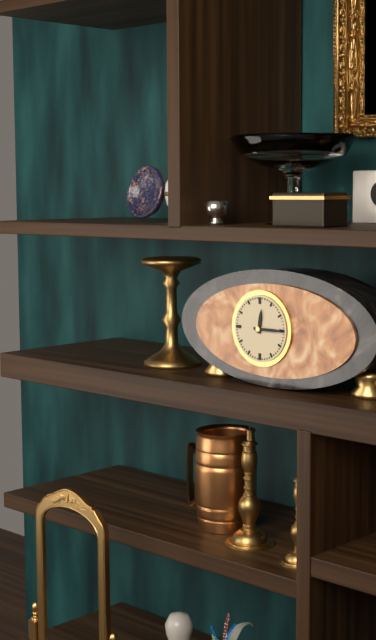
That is 12 h 15 min
